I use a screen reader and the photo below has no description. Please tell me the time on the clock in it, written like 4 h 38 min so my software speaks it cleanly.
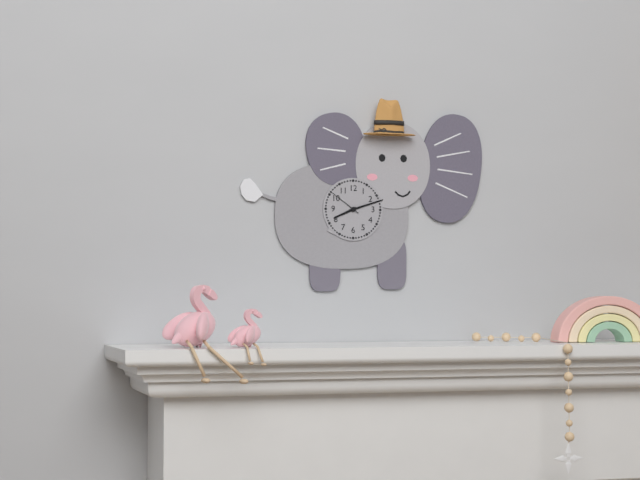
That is 8 h 12 min
